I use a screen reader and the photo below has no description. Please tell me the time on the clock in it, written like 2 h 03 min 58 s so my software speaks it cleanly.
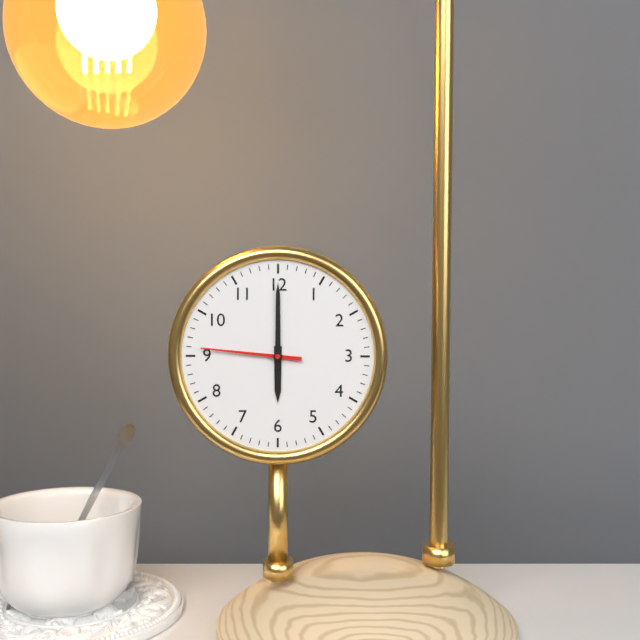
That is 6 h 00 min 46 s
